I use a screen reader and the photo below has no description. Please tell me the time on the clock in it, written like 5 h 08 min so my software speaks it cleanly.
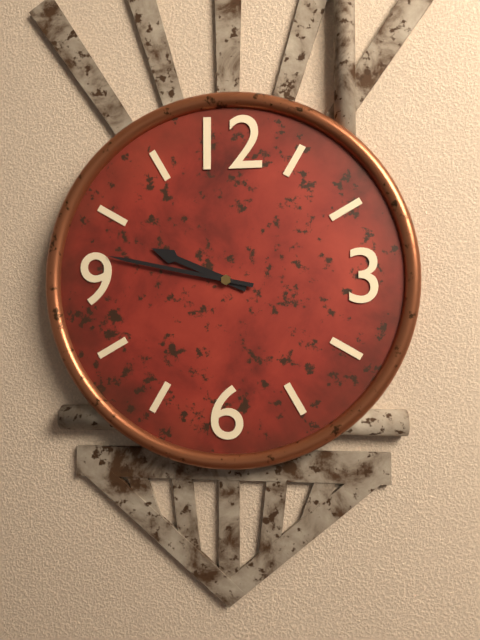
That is 9 h 47 min
